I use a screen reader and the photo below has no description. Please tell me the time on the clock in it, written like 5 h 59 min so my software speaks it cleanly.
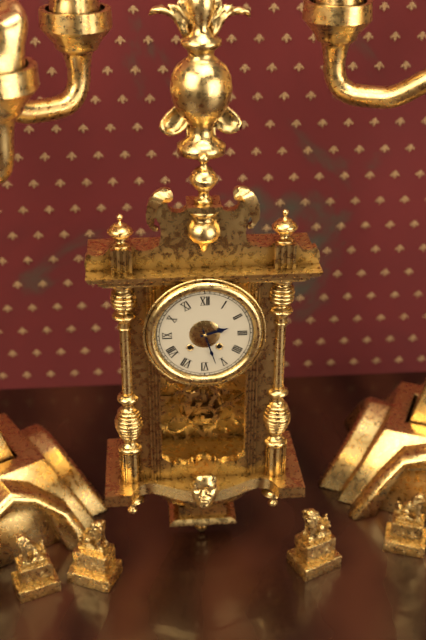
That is 2 h 27 min
